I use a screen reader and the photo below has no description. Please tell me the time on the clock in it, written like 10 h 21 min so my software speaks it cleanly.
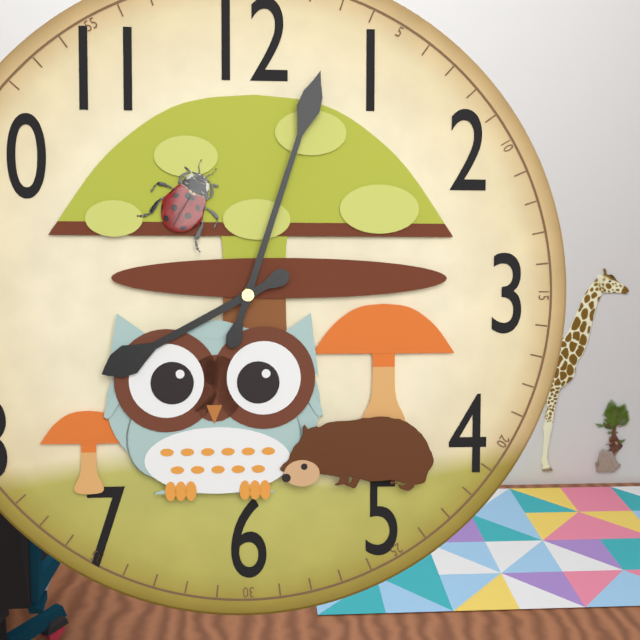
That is 8 h 03 min
